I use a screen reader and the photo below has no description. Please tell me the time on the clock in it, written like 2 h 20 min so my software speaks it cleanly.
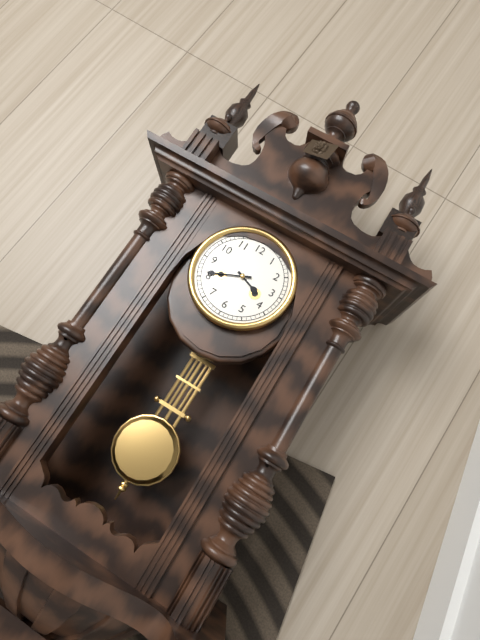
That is 3 h 41 min
